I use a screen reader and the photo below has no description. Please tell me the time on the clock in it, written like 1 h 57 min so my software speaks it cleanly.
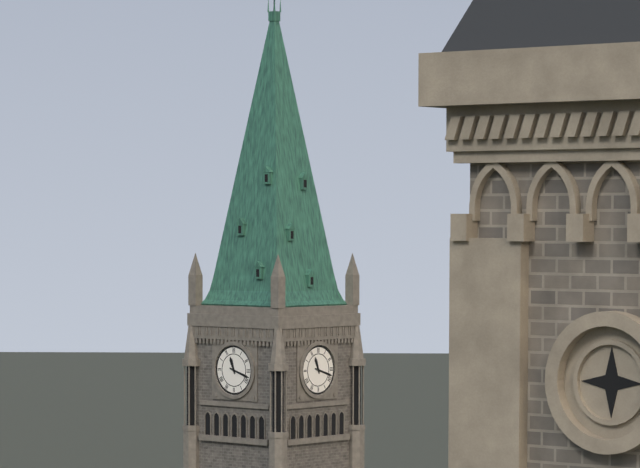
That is 11 h 18 min
